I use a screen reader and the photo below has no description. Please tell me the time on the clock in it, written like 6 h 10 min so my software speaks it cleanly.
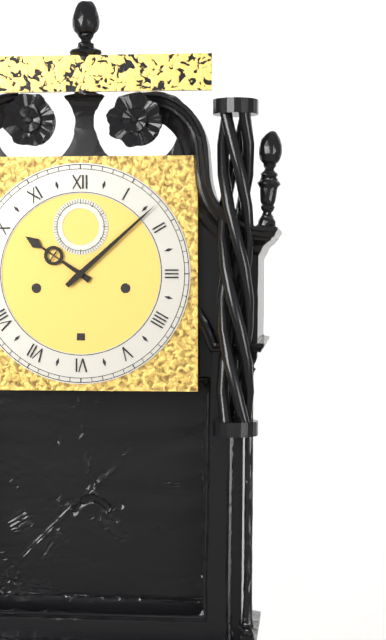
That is 10 h 08 min
